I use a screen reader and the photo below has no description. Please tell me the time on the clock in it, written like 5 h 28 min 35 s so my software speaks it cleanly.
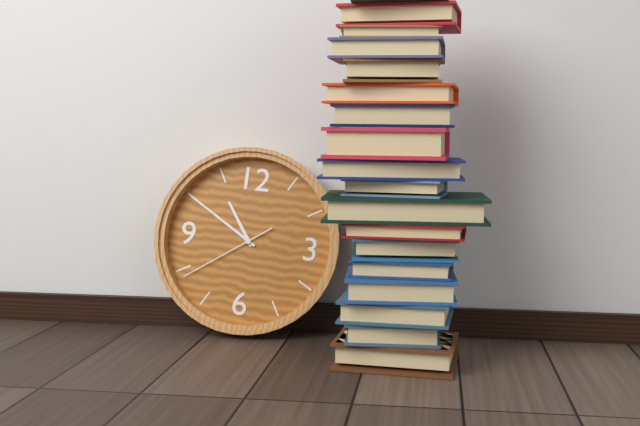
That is 10 h 50 min 39 s
